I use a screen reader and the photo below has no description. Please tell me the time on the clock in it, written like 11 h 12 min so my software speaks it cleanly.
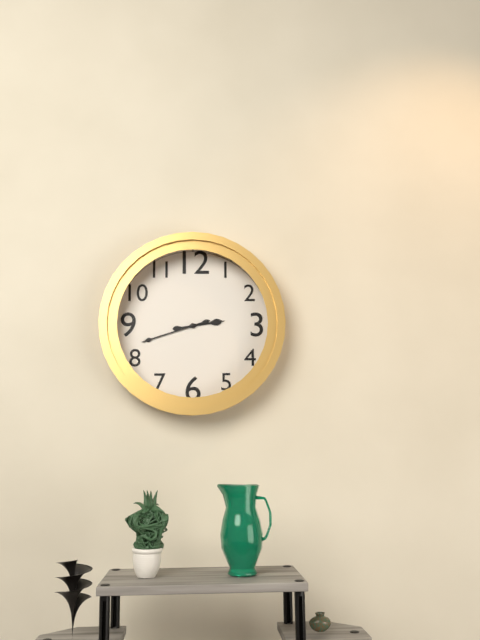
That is 2 h 42 min
